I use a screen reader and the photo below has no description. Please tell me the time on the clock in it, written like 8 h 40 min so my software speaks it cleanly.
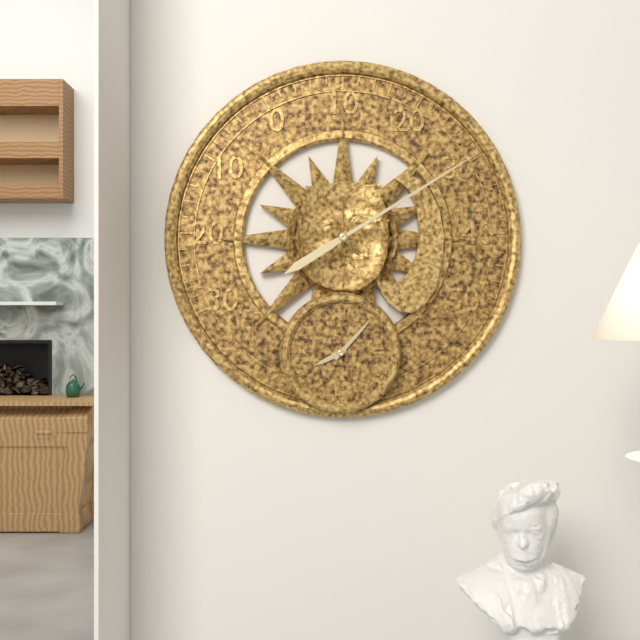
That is 8 h 07 min
